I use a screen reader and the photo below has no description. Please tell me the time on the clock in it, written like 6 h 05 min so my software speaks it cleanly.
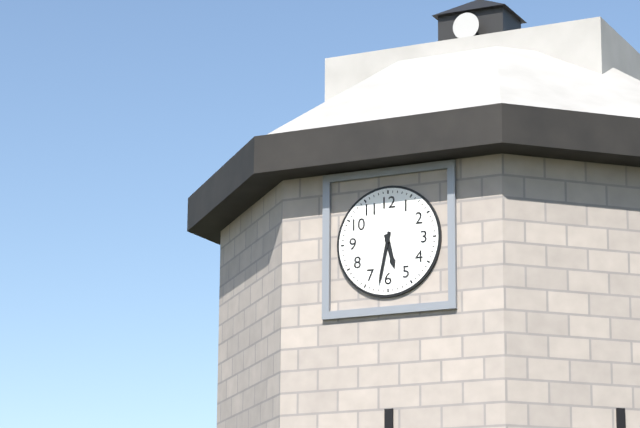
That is 5 h 32 min
